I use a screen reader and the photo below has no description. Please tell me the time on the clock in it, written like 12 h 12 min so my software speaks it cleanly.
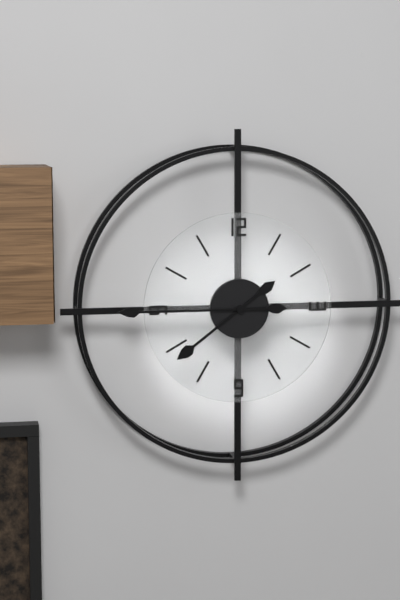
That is 7 h 45 min
